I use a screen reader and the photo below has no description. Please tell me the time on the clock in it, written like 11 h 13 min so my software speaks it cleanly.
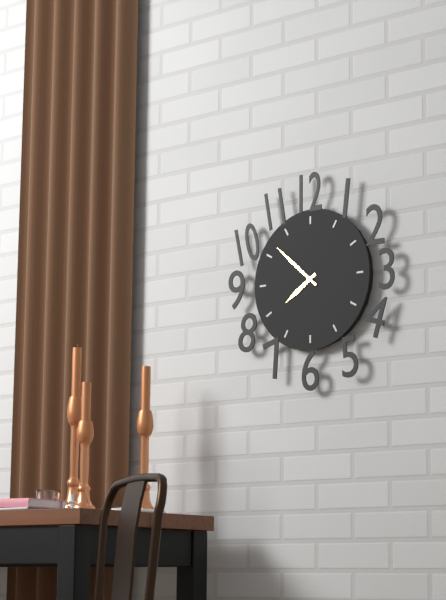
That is 7 h 52 min
